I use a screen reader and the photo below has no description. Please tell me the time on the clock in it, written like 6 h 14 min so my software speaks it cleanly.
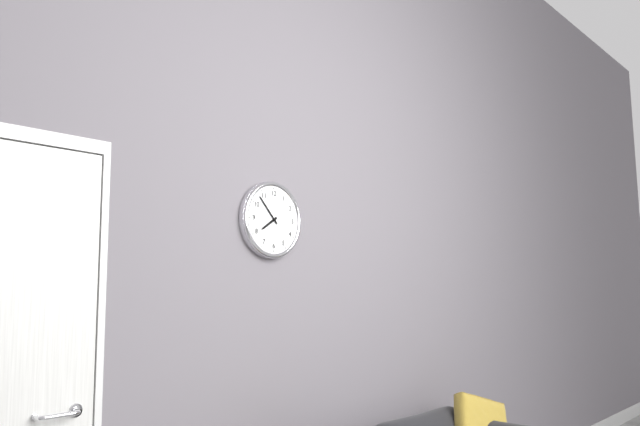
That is 7 h 53 min
